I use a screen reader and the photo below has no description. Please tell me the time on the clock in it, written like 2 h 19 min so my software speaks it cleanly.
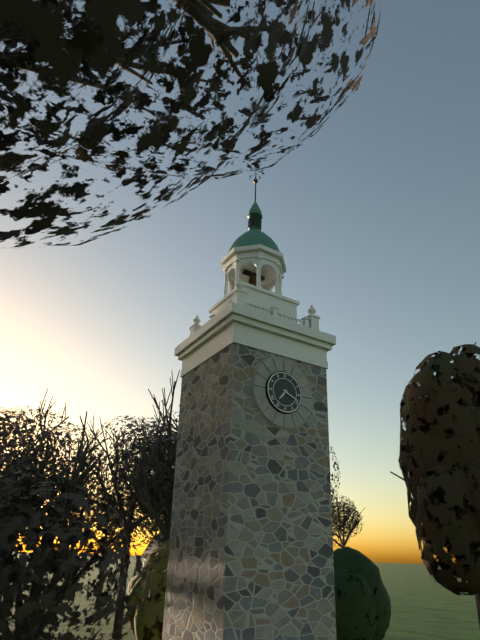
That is 7 h 19 min
